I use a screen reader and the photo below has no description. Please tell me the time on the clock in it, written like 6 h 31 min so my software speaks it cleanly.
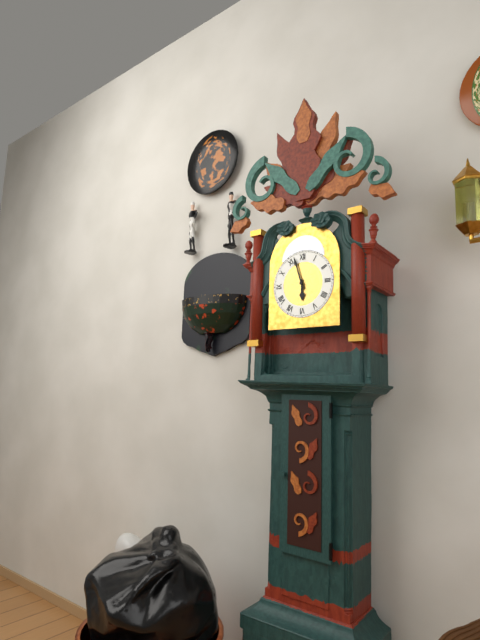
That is 5 h 57 min
